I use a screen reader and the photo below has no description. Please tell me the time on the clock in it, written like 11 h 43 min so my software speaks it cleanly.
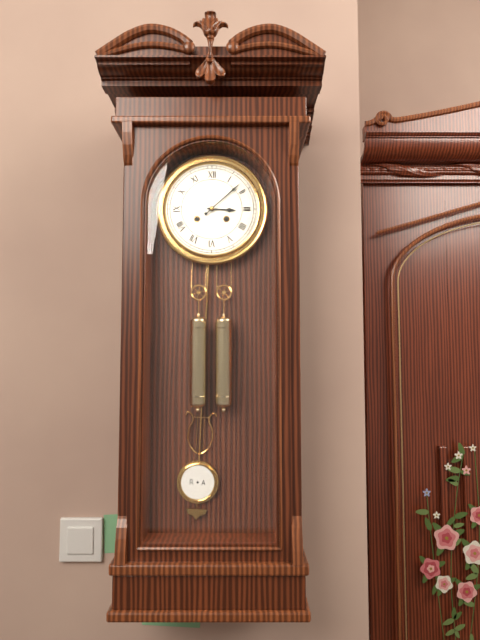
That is 3 h 08 min
